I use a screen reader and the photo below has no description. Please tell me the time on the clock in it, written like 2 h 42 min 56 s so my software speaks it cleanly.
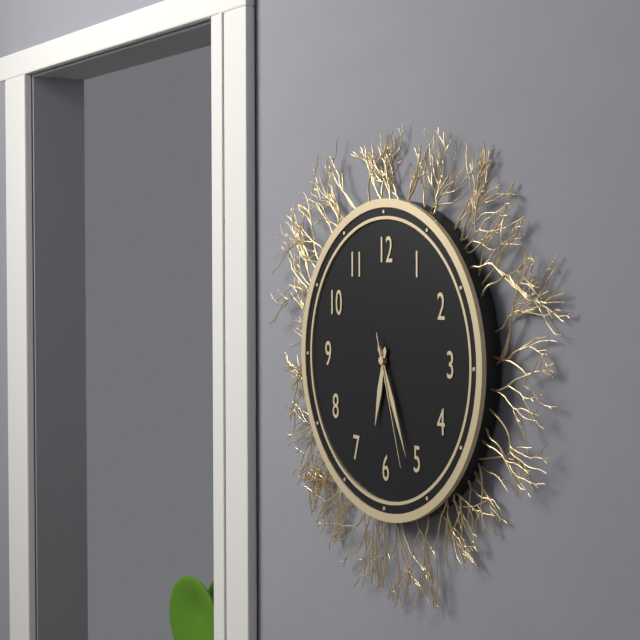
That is 6 h 26 min 27 s
